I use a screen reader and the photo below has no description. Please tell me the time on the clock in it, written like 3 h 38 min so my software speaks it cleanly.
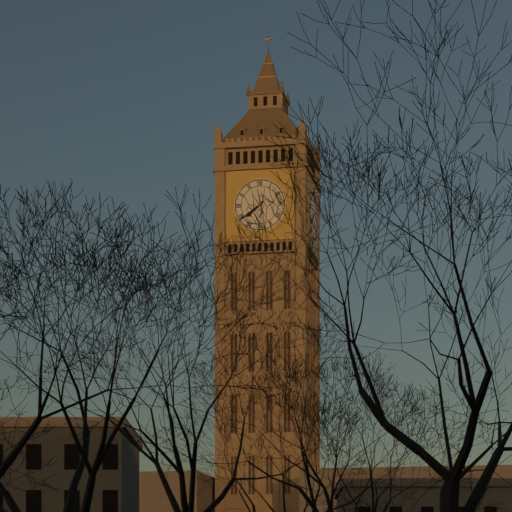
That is 7 h 39 min
